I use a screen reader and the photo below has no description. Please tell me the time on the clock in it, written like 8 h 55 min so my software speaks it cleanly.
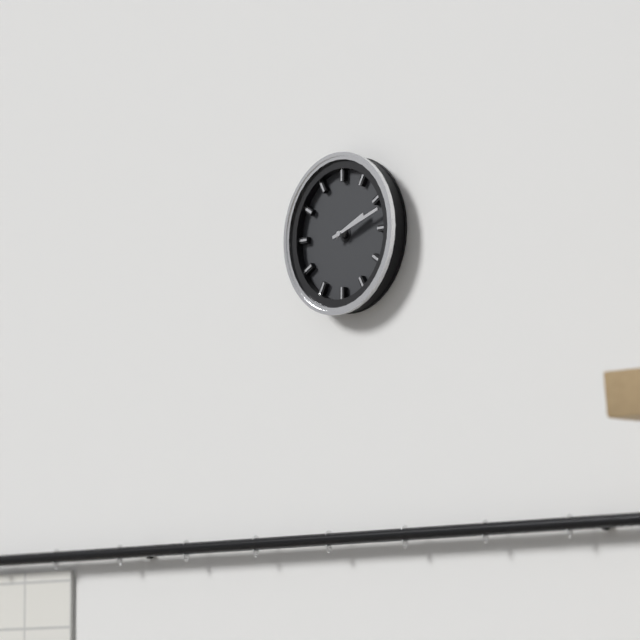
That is 2 h 12 min
